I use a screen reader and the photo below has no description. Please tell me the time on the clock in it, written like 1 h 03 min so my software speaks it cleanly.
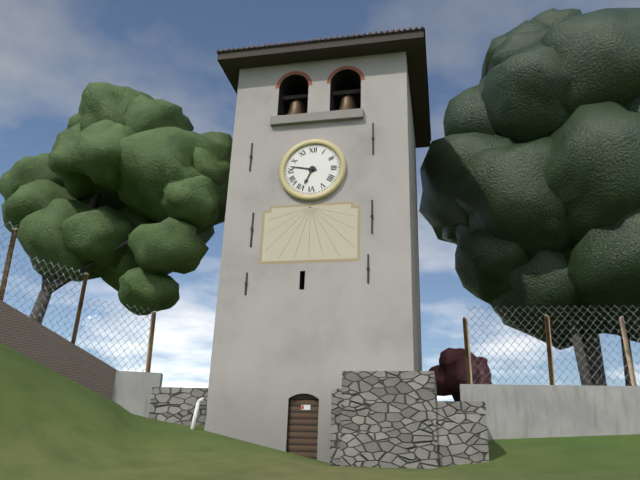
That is 6 h 47 min
